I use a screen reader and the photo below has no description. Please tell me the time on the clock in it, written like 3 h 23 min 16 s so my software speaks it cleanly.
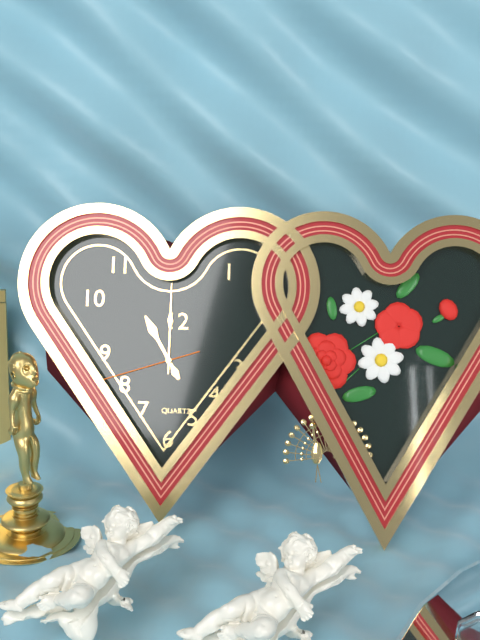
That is 11 h 00 min 42 s
